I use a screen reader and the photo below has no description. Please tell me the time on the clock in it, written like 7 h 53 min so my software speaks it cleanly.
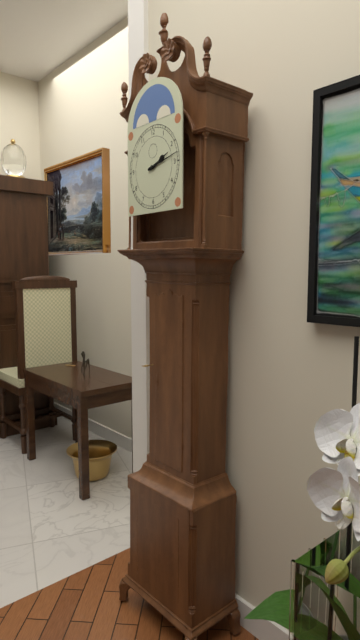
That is 2 h 13 min
